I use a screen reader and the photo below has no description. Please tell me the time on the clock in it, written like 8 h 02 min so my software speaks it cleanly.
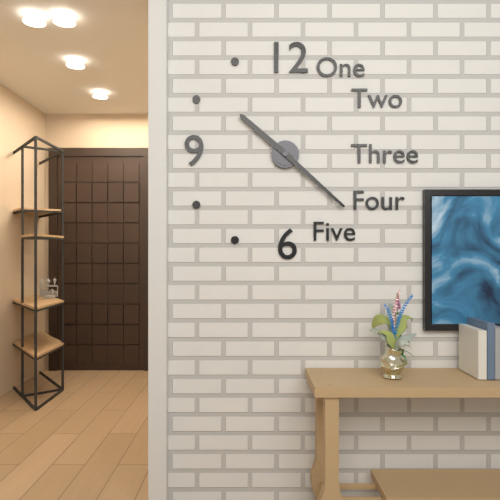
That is 10 h 22 min
